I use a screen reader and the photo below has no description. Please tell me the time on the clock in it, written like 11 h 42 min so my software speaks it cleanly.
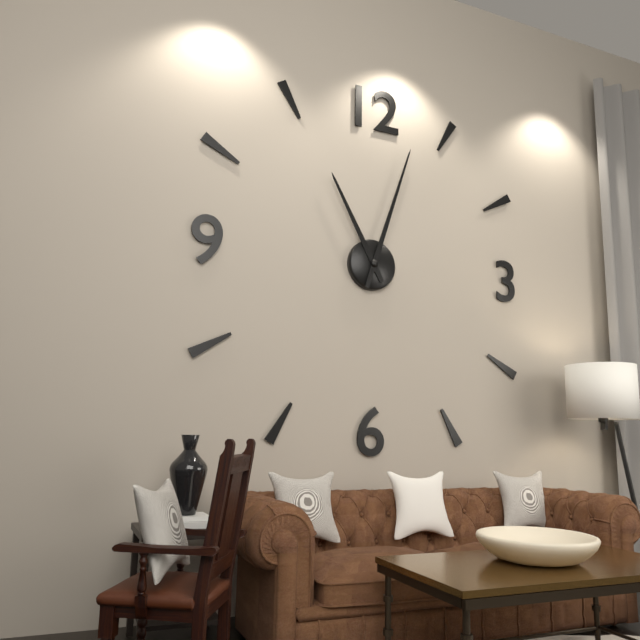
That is 11 h 03 min
